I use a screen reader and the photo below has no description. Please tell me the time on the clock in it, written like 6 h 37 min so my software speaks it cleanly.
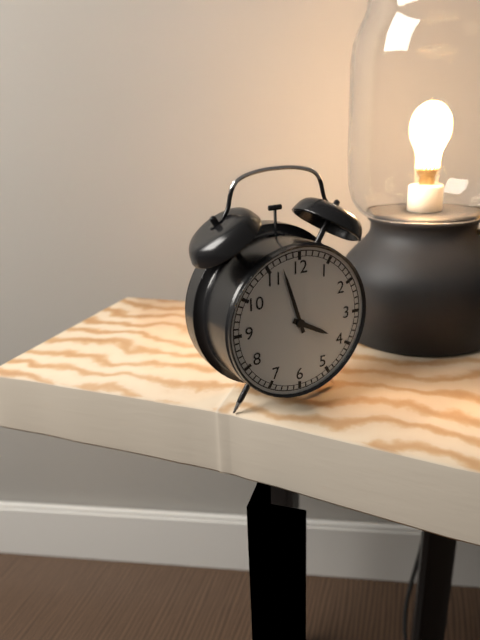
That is 3 h 57 min
